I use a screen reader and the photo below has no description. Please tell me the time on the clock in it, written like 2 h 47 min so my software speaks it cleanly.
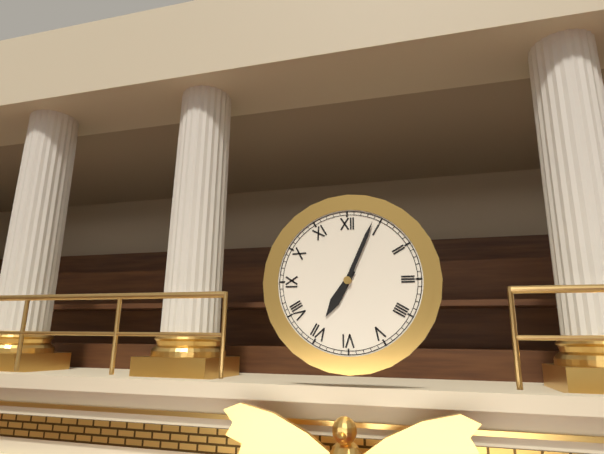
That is 7 h 04 min
